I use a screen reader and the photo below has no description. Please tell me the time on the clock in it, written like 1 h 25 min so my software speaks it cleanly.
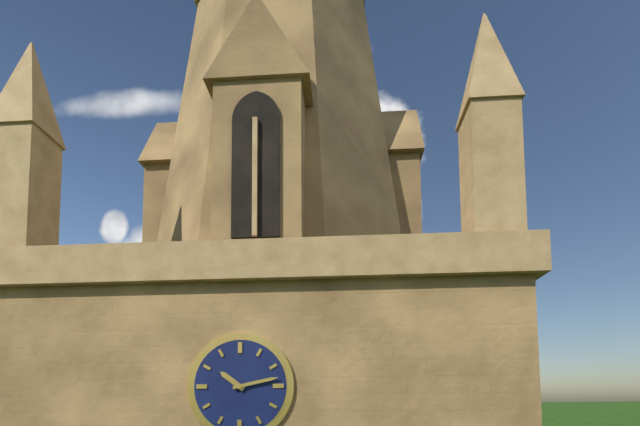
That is 10 h 13 min
